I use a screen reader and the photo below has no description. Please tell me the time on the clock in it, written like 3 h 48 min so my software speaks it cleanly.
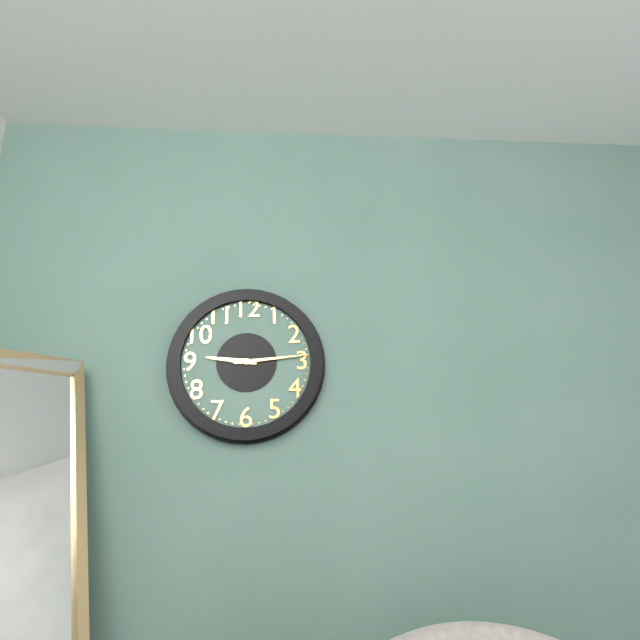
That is 9 h 14 min
